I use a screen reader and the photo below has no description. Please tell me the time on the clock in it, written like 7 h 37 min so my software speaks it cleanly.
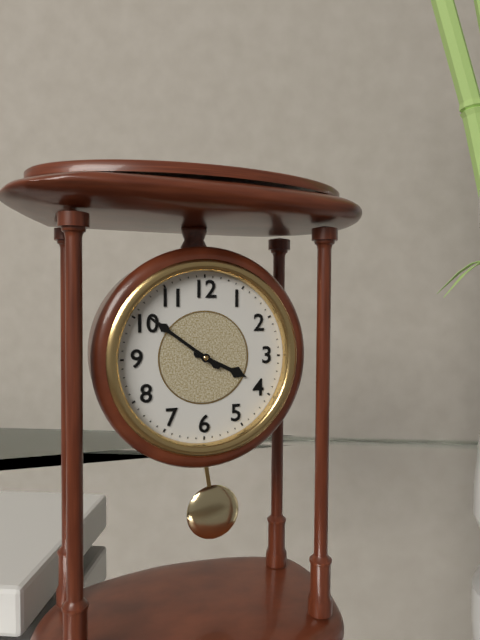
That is 3 h 51 min
